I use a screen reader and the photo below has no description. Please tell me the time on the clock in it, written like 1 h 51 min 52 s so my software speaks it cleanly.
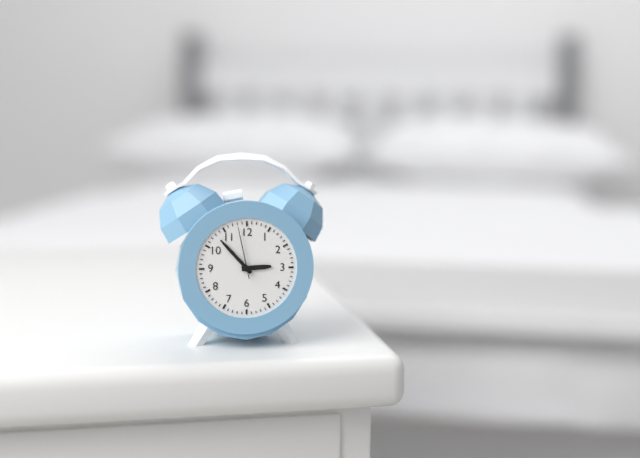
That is 2 h 53 min 58 s
